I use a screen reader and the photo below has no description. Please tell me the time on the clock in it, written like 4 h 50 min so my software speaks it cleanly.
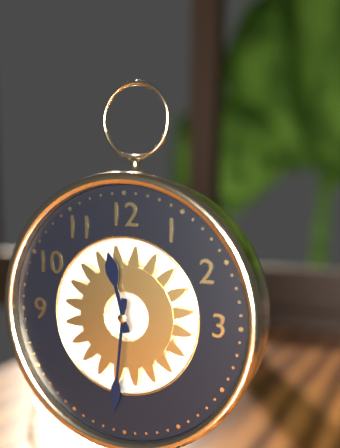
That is 11 h 31 min
